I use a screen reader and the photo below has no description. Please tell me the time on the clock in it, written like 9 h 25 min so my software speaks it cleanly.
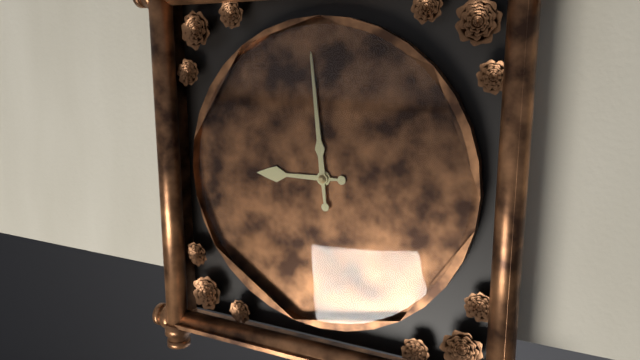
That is 8 h 59 min
